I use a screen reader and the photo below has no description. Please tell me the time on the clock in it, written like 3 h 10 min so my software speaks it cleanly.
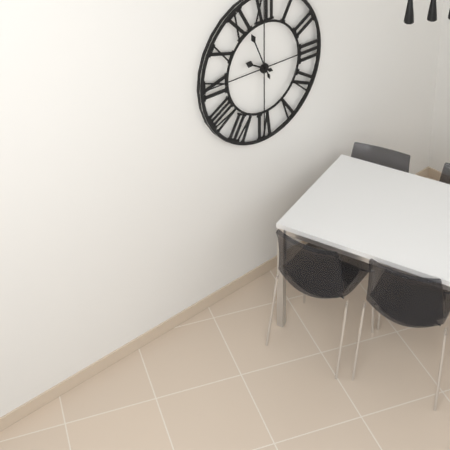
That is 9 h 56 min
